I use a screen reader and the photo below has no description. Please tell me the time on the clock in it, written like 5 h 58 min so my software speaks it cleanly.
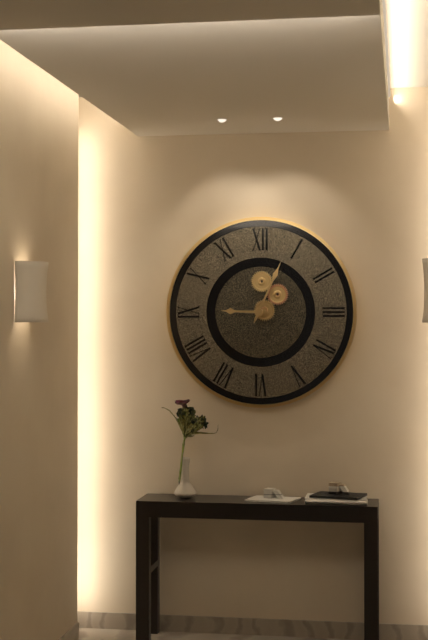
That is 9 h 04 min
